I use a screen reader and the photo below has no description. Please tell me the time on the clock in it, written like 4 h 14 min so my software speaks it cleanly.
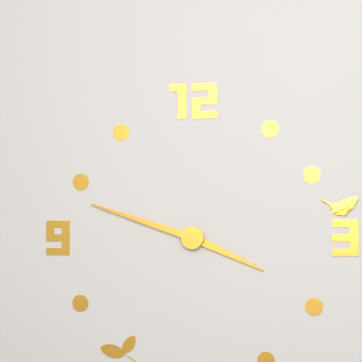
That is 3 h 48 min
